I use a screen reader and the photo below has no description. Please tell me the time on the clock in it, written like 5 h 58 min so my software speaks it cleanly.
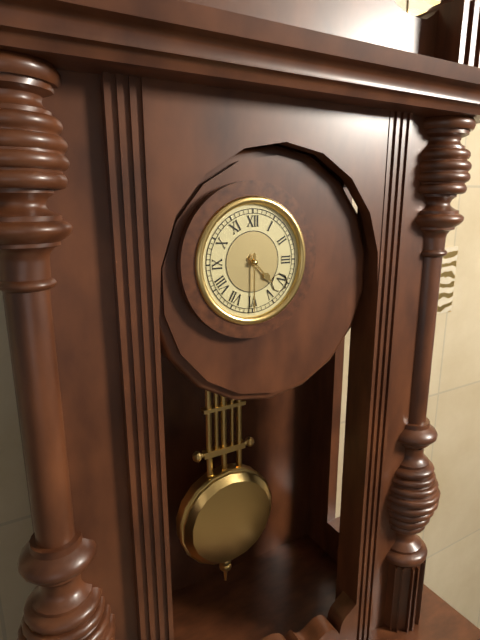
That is 4 h 30 min
